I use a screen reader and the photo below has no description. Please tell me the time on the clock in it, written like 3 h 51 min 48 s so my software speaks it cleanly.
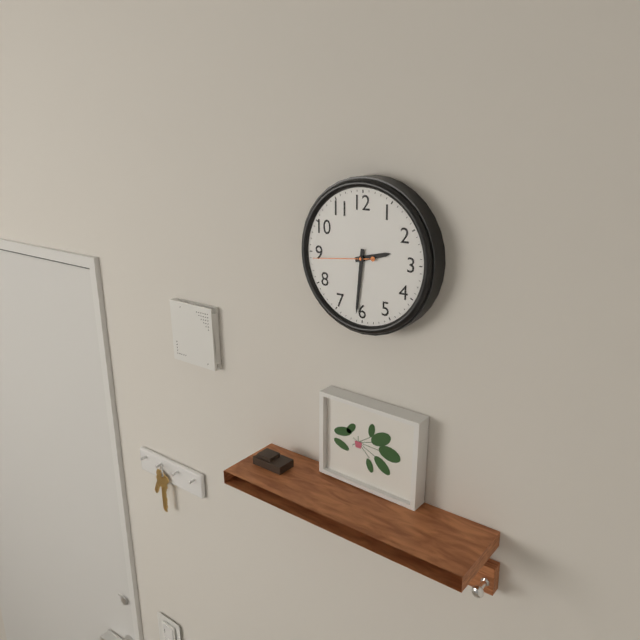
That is 2 h 31 min 44 s
